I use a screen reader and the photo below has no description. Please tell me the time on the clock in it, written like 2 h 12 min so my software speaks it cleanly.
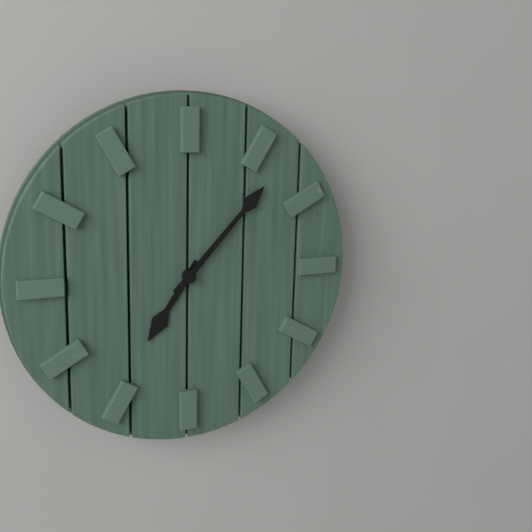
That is 7 h 07 min
